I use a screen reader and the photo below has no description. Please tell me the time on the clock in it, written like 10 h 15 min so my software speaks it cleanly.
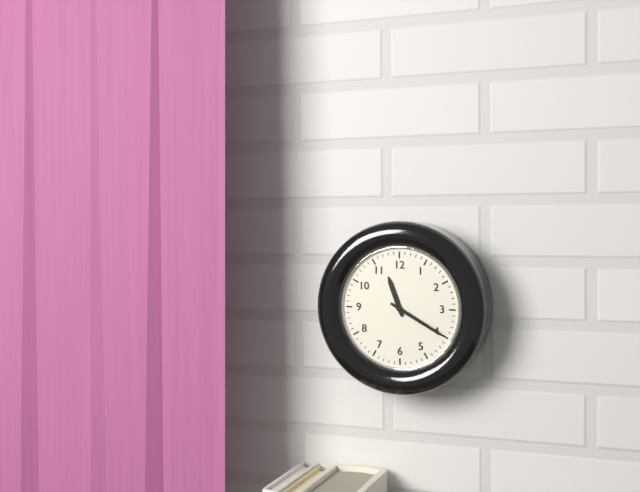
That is 11 h 20 min
